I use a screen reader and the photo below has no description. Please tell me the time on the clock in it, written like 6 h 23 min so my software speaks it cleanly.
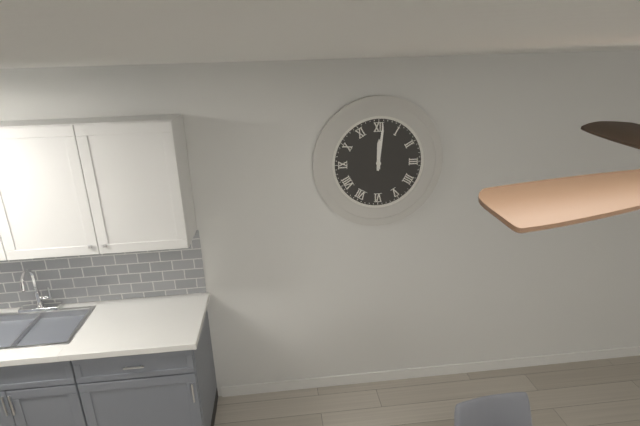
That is 12 h 01 min
